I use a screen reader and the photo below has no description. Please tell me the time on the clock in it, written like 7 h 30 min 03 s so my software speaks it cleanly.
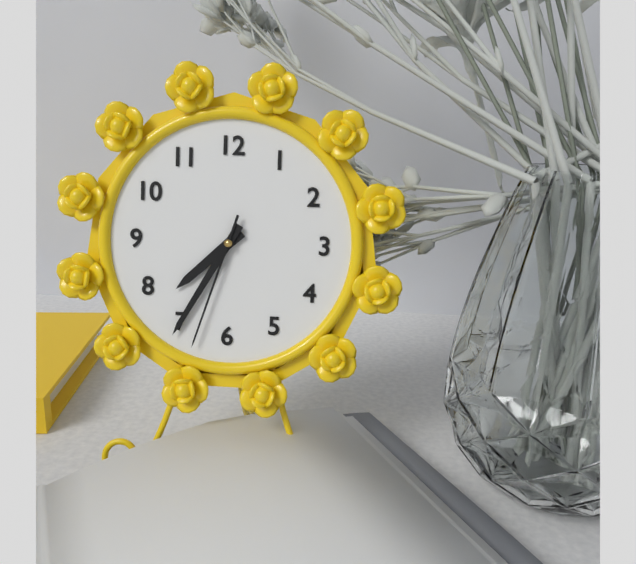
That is 7 h 35 min 33 s
